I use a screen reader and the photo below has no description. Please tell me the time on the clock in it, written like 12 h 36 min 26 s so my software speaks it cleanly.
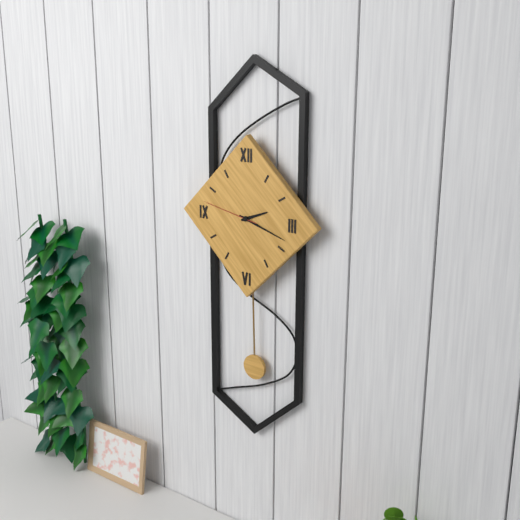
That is 2 h 18 min 47 s
